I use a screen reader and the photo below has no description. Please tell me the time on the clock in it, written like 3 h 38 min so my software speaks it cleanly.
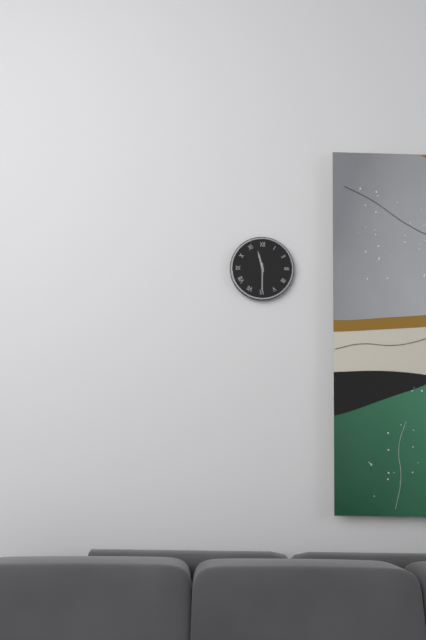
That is 11 h 30 min
